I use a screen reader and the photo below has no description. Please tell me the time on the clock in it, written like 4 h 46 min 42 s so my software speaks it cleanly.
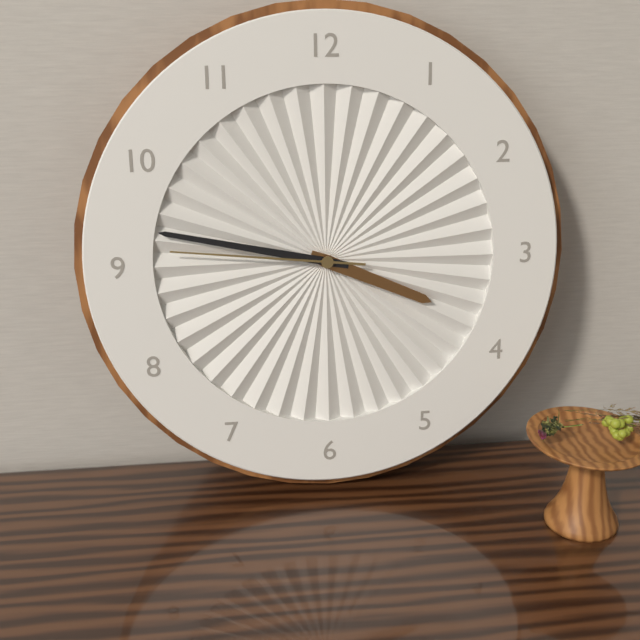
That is 3 h 47 min 46 s
